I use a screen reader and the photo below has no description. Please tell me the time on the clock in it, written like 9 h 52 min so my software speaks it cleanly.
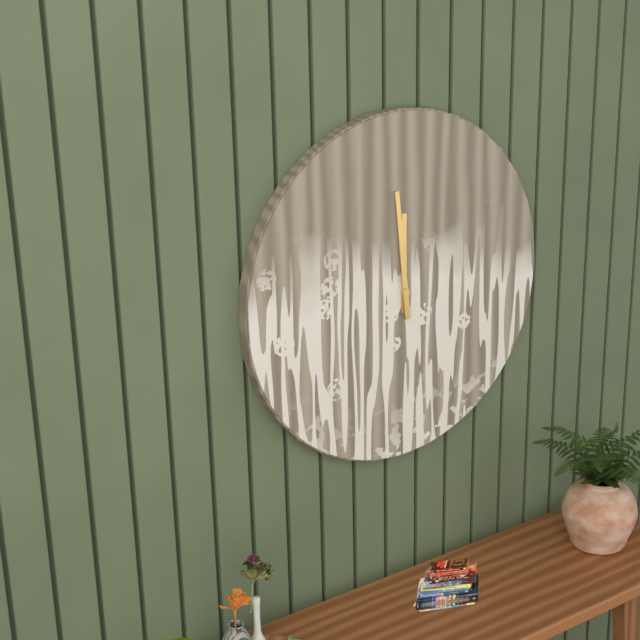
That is 11 h 59 min
